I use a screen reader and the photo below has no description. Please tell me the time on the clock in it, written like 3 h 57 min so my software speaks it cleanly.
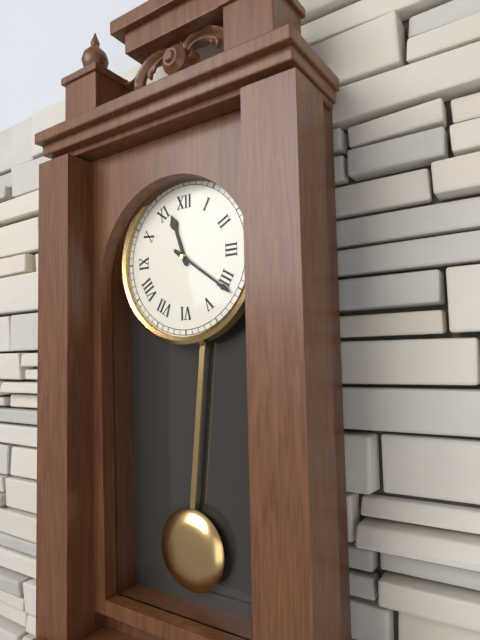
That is 11 h 21 min
